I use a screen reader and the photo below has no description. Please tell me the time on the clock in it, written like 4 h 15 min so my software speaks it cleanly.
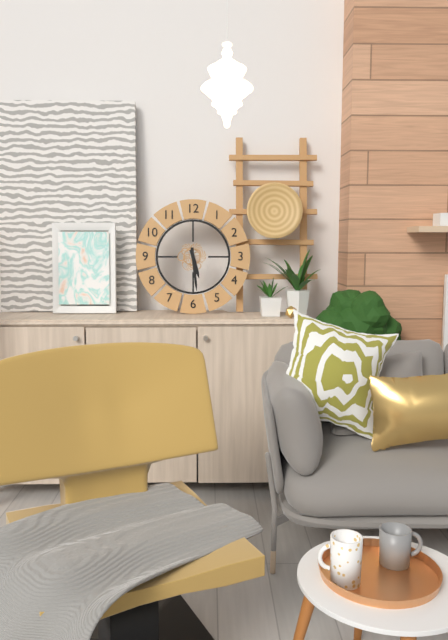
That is 5 h 29 min
